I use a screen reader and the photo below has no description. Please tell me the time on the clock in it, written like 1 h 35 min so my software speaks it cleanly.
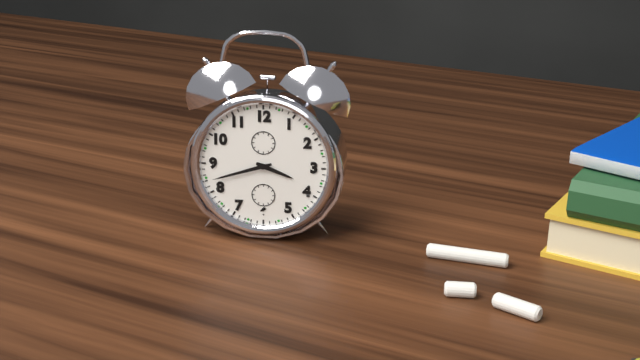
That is 3 h 42 min
